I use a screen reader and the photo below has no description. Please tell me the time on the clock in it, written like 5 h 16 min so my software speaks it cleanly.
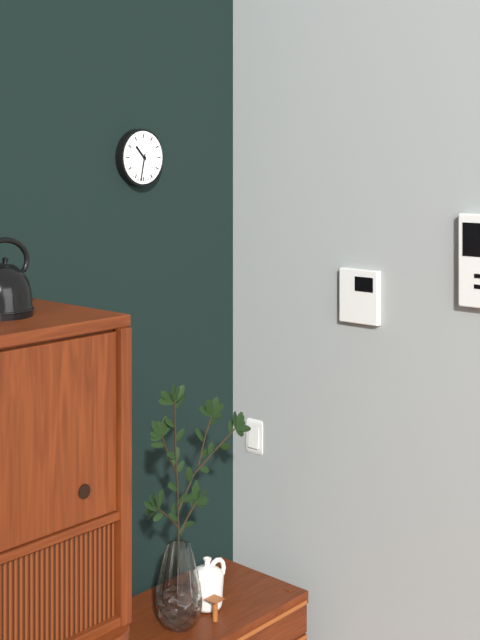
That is 10 h 32 min
